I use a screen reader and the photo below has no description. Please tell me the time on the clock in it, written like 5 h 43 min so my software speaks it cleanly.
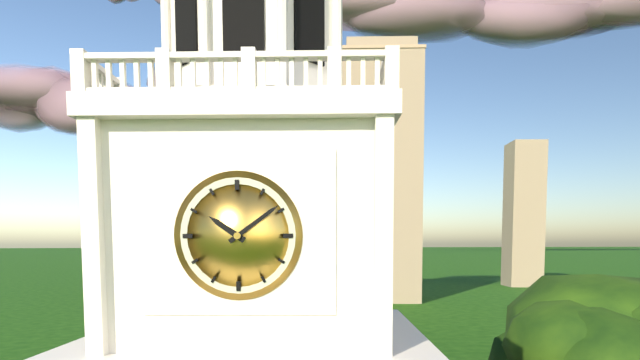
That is 10 h 09 min
